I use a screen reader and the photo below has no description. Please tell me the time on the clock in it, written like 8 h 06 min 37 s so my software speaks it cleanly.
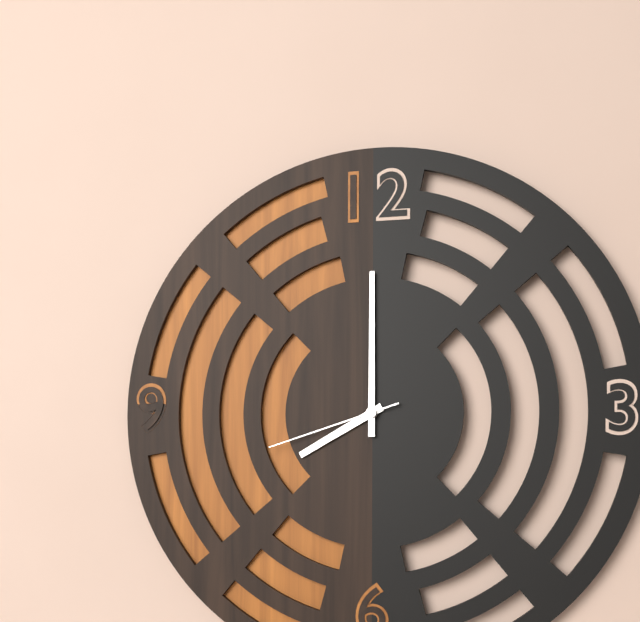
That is 8 h 00 min 42 s
